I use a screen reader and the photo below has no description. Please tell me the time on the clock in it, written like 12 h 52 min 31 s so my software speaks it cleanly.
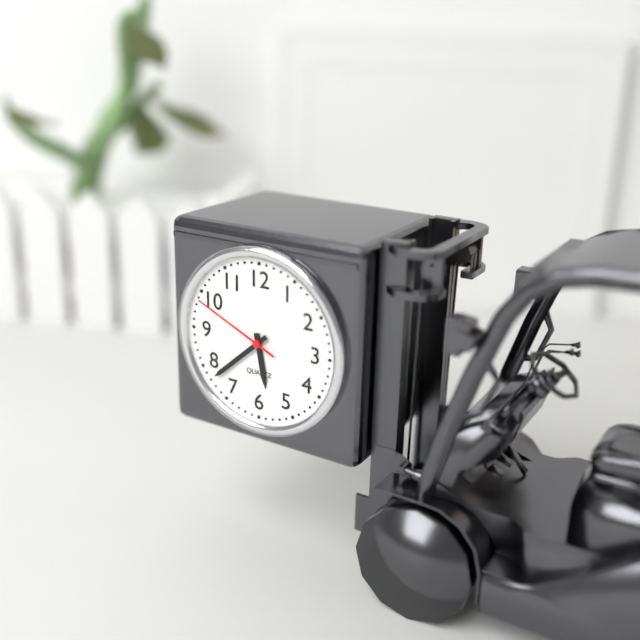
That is 5 h 38 min 49 s
